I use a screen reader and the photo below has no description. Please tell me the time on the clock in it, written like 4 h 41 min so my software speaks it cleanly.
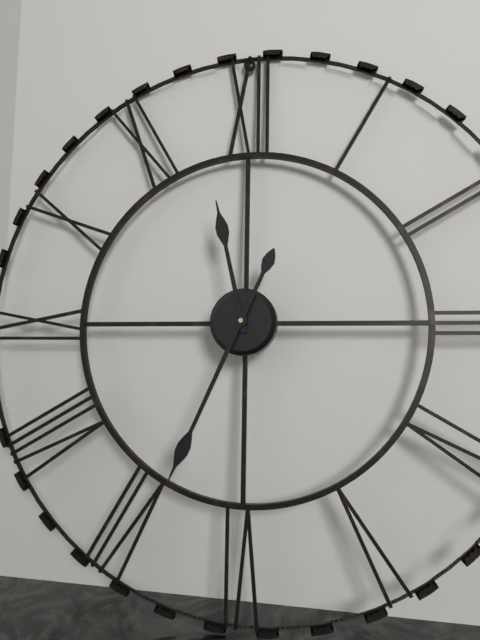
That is 11 h 34 min
